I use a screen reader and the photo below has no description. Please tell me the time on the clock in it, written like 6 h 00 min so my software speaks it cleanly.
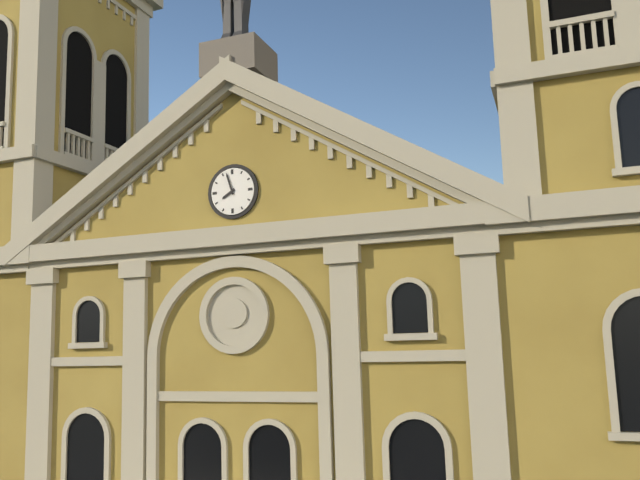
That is 7 h 57 min
